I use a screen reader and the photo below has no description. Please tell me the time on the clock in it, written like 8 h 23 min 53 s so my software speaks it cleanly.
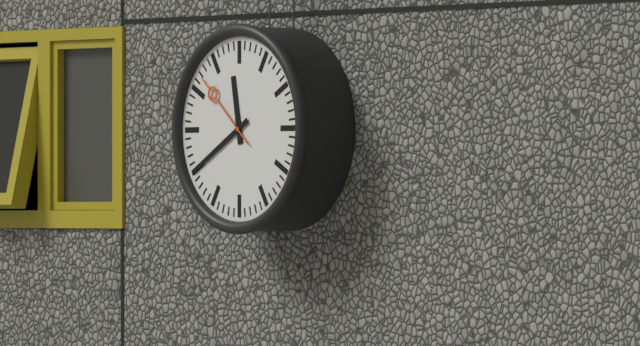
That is 11 h 40 min 52 s
